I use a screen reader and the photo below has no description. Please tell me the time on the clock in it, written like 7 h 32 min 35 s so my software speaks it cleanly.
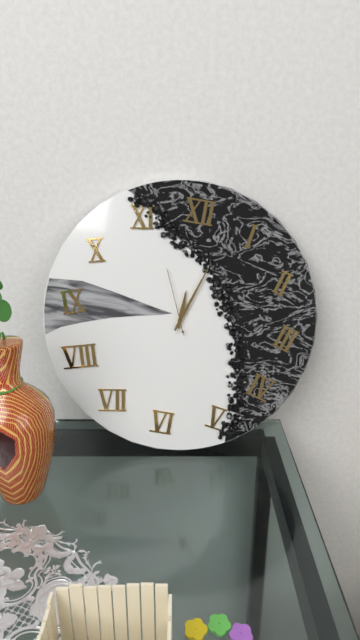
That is 12 h 03 min 56 s
